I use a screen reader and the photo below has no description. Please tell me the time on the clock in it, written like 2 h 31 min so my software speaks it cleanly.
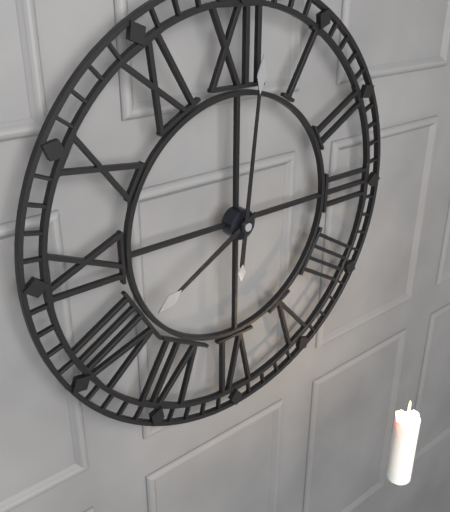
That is 8 h 01 min
